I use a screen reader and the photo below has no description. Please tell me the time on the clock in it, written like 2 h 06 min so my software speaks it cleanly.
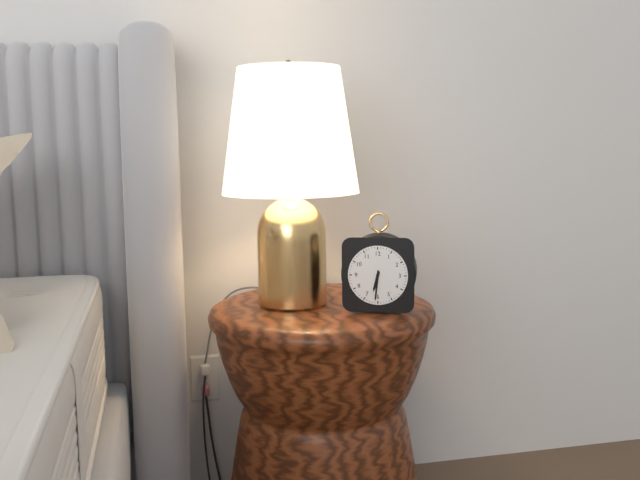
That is 6 h 31 min
